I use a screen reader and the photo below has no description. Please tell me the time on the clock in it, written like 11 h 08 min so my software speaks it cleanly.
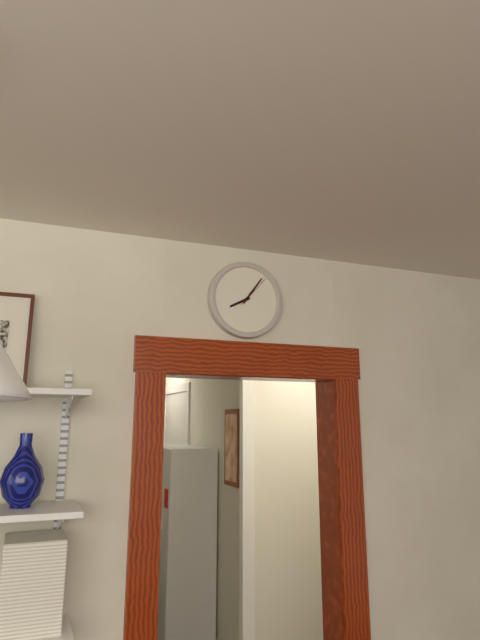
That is 8 h 06 min
